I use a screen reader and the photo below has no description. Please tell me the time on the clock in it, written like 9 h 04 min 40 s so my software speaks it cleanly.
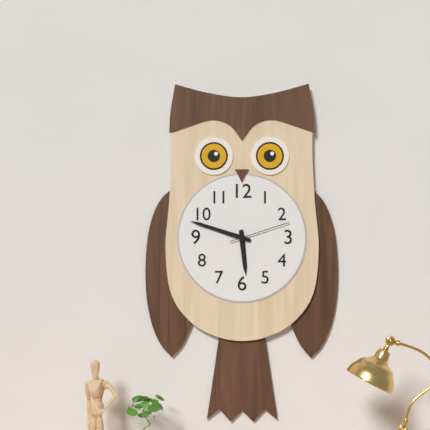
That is 5 h 48 min 12 s
